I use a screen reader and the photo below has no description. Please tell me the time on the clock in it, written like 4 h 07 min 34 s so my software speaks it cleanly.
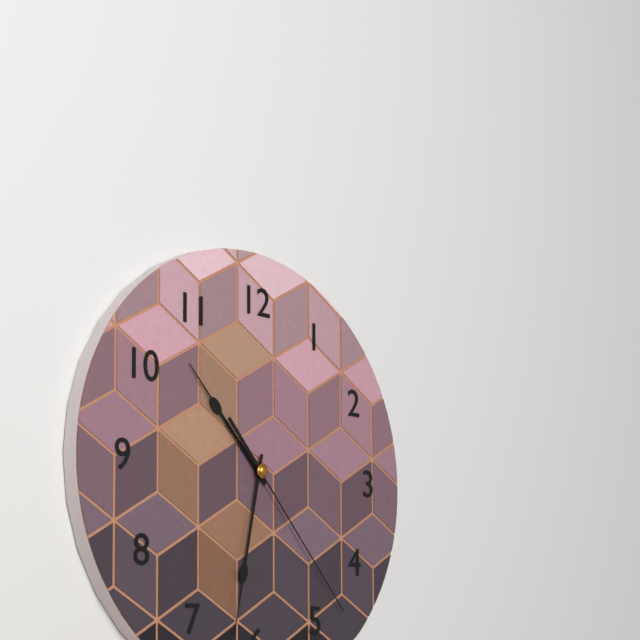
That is 10 h 32 min 23 s
